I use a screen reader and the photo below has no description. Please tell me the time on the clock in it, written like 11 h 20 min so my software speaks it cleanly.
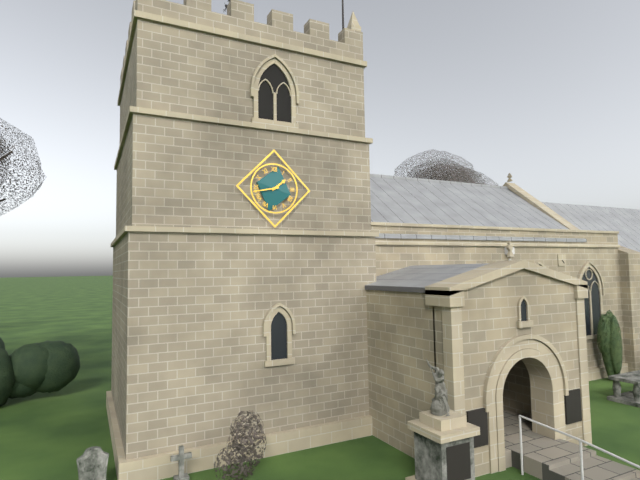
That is 1 h 43 min
